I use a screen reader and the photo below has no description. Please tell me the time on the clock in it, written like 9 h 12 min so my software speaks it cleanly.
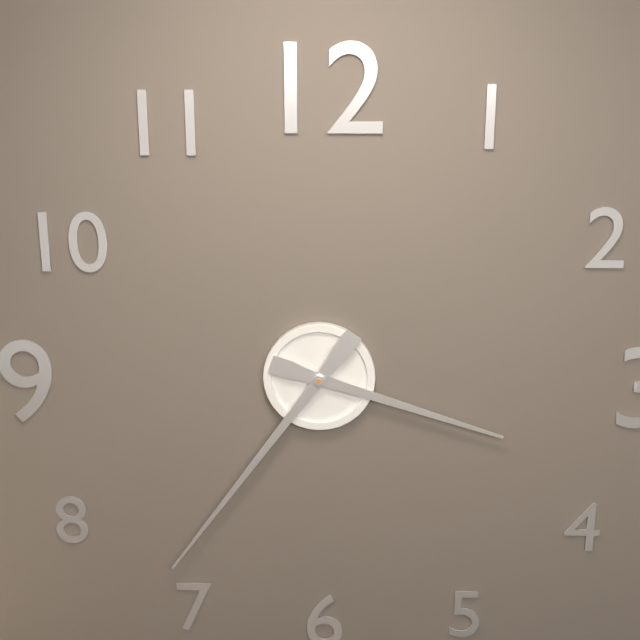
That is 3 h 36 min
